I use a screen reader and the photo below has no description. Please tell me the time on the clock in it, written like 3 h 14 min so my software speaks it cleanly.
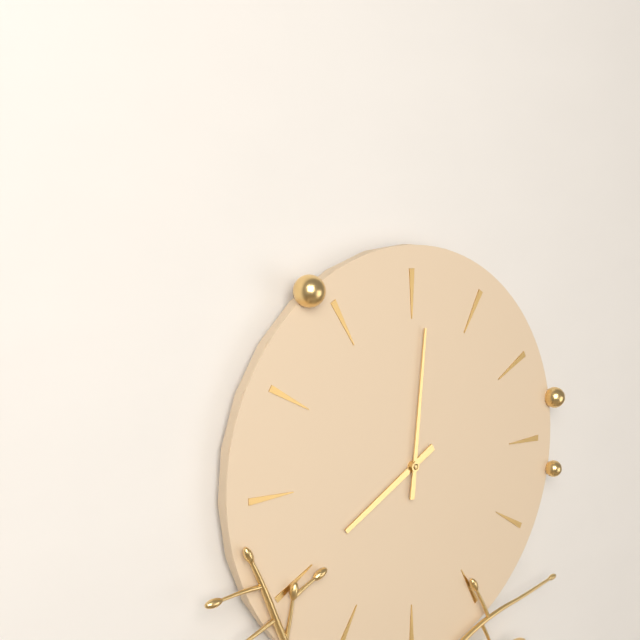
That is 8 h 01 min
